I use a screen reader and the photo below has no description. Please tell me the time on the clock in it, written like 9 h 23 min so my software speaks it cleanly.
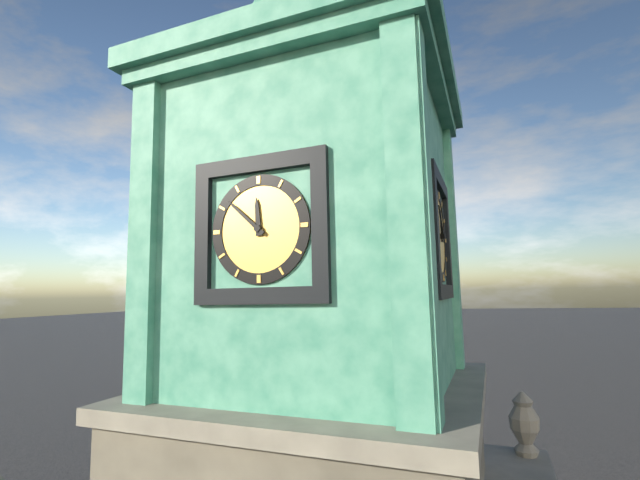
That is 11 h 52 min
